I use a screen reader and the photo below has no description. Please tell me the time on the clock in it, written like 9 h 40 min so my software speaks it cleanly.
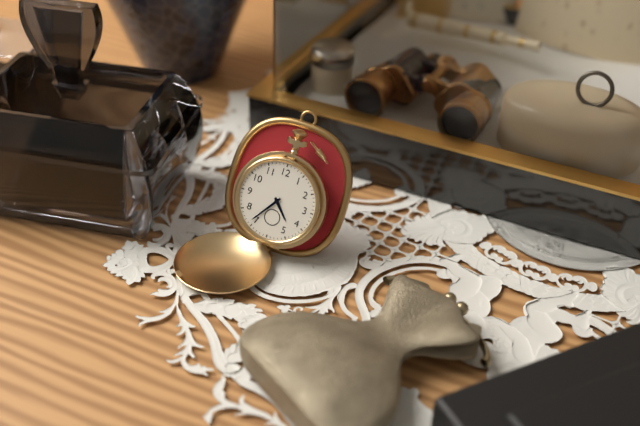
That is 4 h 36 min
